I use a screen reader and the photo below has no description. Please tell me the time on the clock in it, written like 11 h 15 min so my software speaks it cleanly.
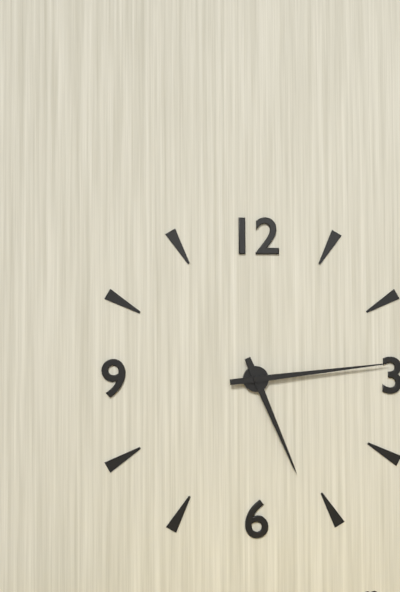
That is 5 h 14 min
